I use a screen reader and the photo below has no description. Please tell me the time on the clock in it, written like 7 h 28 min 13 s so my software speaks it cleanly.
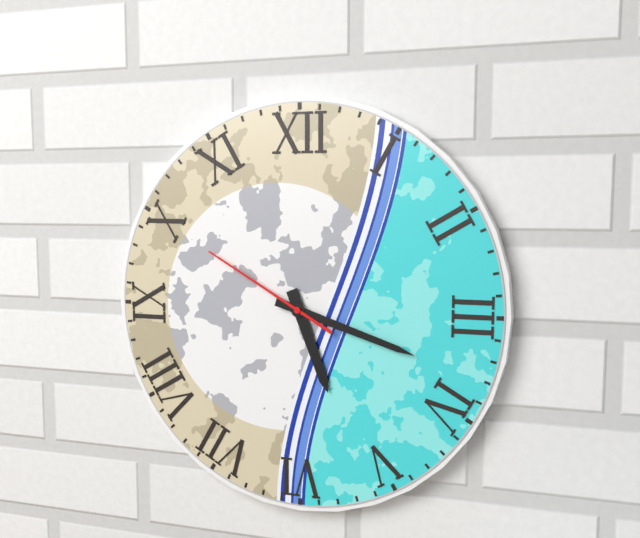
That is 5 h 18 min 50 s
